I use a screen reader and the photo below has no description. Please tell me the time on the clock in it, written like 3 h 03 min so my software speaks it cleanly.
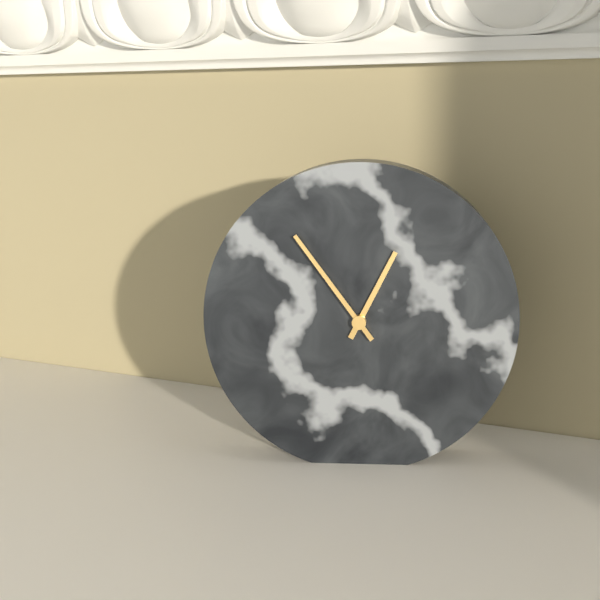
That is 12 h 54 min
